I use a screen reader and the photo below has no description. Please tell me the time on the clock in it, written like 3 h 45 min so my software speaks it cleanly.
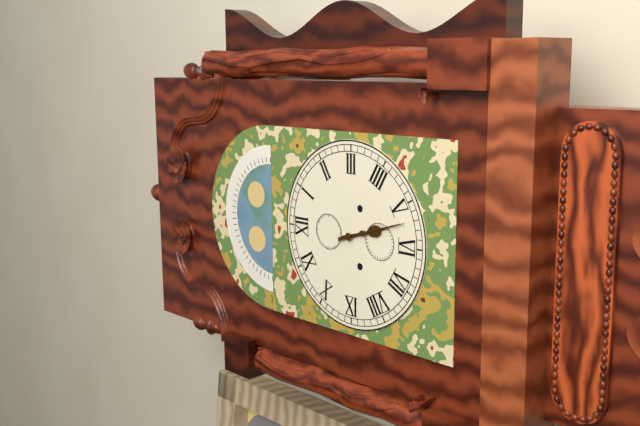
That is 5 h 27 min
